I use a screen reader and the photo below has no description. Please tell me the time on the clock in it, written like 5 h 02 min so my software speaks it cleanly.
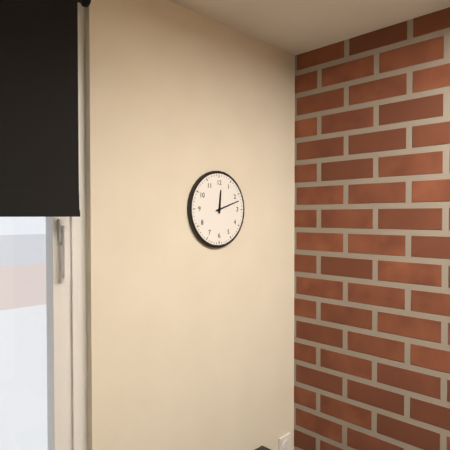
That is 12 h 12 min
